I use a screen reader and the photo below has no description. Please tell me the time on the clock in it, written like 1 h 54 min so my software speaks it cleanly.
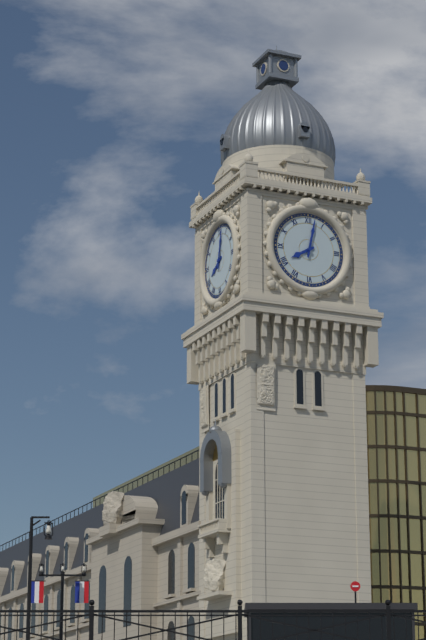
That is 8 h 02 min
